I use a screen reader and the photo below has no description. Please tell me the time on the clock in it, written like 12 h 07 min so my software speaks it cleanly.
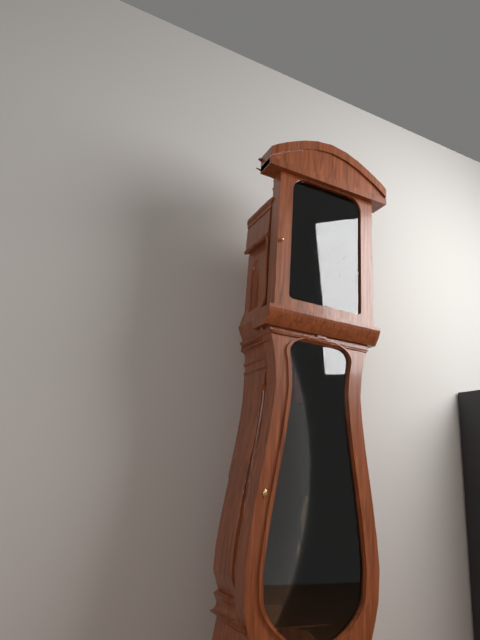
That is 11 h 33 min
